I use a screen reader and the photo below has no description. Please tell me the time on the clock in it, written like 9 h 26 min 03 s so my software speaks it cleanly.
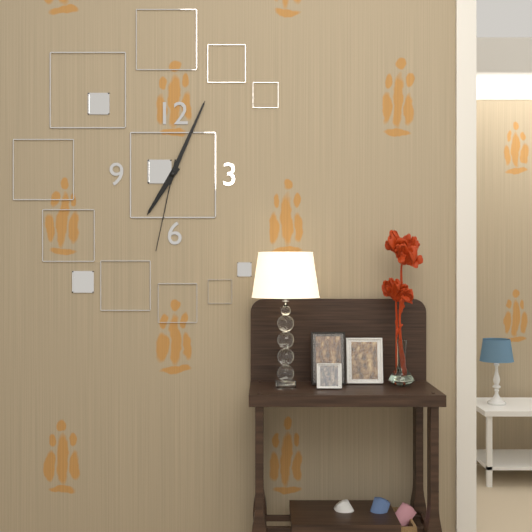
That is 7 h 04 min 32 s
